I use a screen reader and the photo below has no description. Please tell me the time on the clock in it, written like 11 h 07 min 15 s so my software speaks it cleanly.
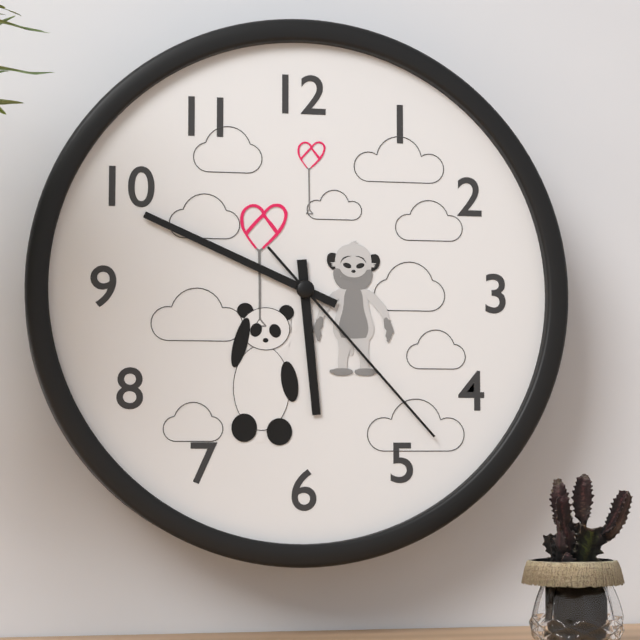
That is 5 h 49 min 23 s
